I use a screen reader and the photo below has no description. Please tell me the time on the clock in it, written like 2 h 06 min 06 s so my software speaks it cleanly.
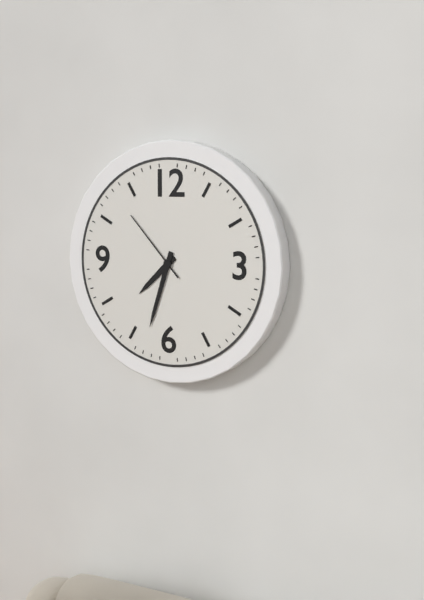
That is 7 h 33 min 53 s
